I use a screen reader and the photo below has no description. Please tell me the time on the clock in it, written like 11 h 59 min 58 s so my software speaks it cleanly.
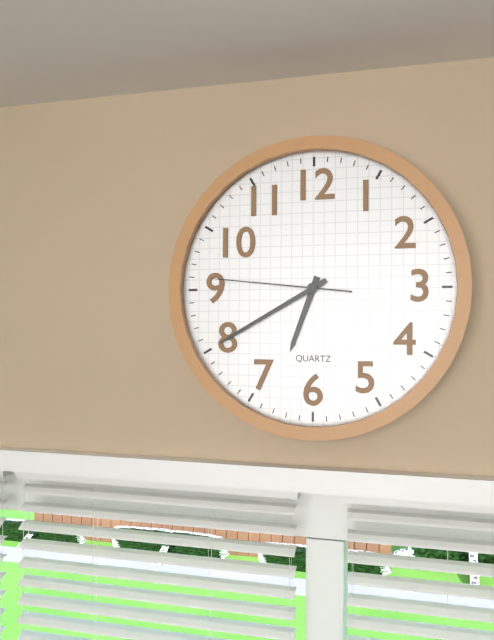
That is 6 h 40 min 46 s
